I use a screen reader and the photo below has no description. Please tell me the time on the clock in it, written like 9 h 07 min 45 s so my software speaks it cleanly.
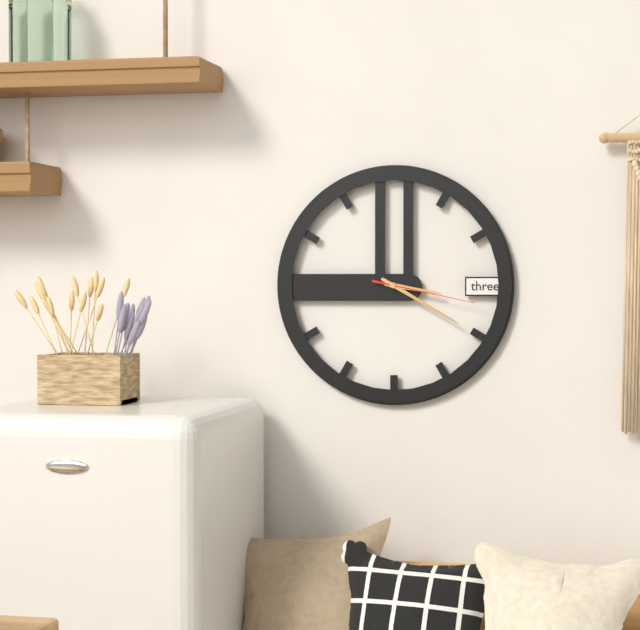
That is 3 h 20 min 17 s
